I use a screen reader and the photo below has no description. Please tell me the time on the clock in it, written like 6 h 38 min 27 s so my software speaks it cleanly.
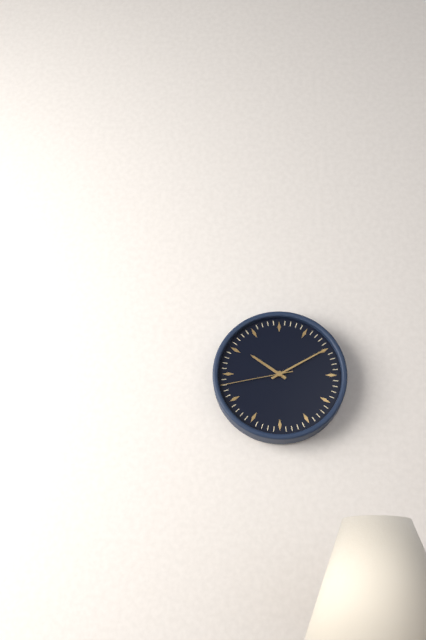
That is 10 h 10 min 43 s
